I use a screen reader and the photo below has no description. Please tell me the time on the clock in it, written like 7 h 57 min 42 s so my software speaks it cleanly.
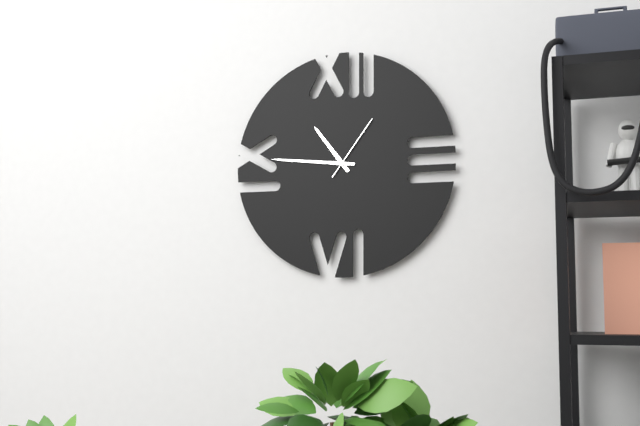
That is 10 h 46 min 06 s
